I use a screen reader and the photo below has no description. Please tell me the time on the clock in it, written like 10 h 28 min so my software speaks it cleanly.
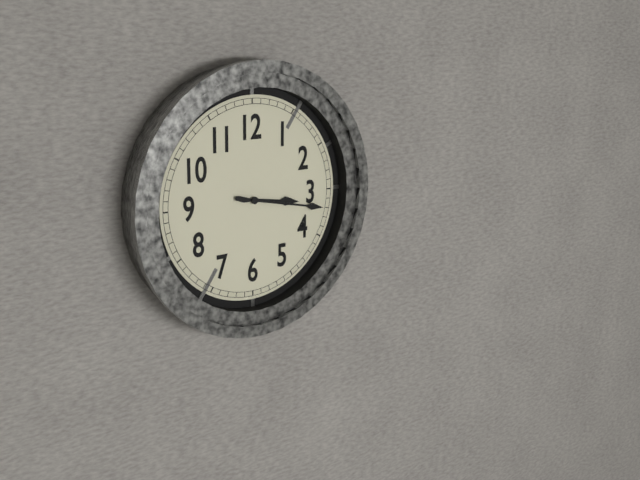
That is 3 h 17 min
